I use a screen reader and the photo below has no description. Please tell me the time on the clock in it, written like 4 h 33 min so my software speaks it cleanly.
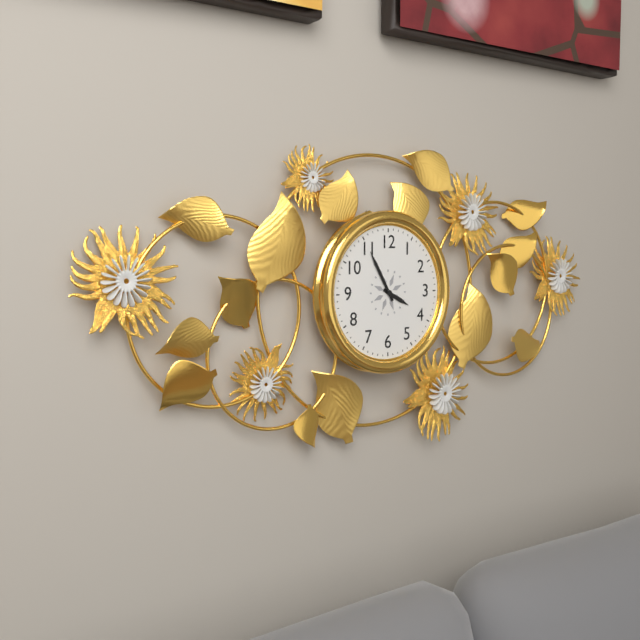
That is 3 h 55 min
